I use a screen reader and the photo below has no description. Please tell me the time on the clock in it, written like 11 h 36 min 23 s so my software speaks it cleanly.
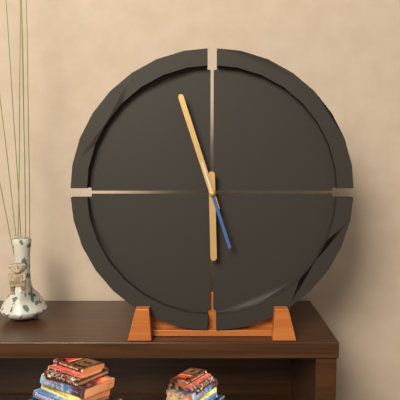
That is 5 h 57 min 27 s
